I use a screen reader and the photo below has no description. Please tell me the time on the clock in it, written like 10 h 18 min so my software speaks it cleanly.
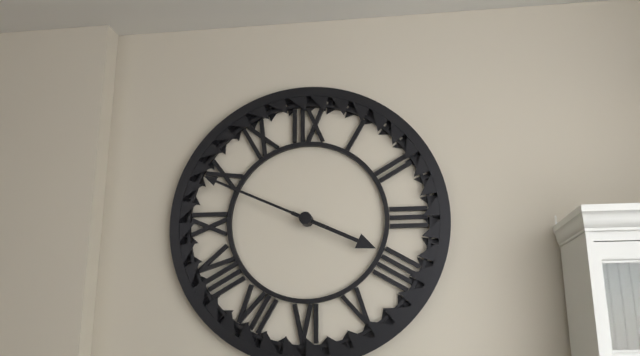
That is 3 h 49 min
